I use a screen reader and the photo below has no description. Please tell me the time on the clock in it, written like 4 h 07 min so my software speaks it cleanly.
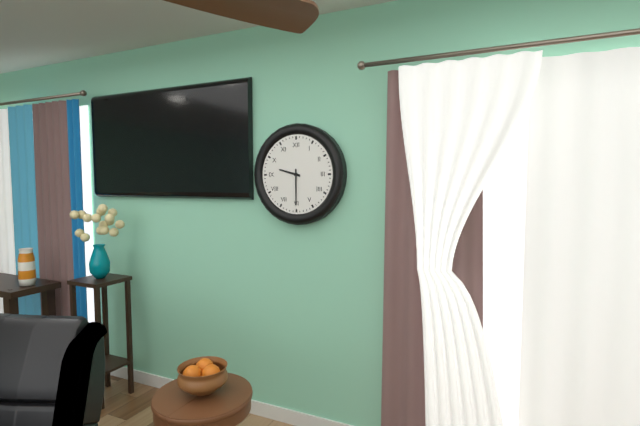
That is 9 h 30 min
